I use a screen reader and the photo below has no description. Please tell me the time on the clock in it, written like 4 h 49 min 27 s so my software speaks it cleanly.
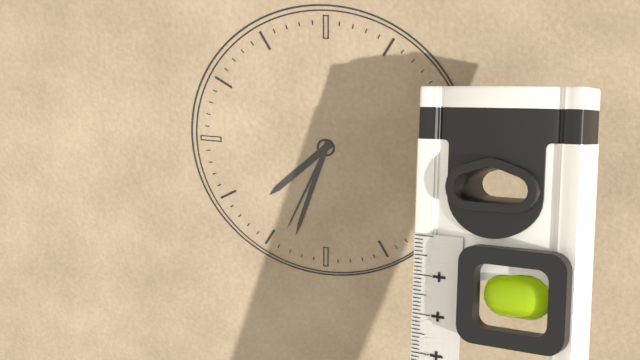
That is 7 h 33 min 34 s
